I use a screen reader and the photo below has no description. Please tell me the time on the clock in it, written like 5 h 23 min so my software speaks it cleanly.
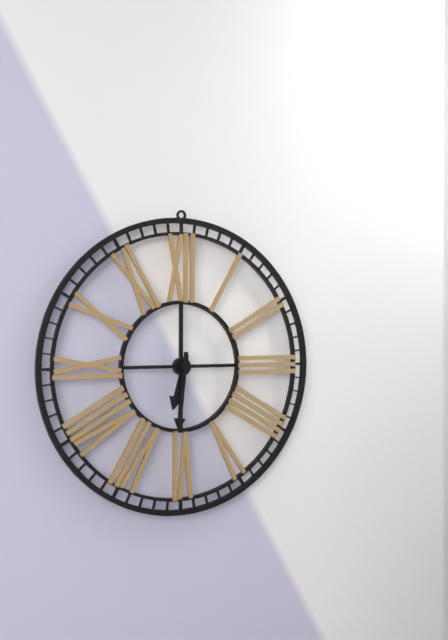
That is 6 h 31 min
